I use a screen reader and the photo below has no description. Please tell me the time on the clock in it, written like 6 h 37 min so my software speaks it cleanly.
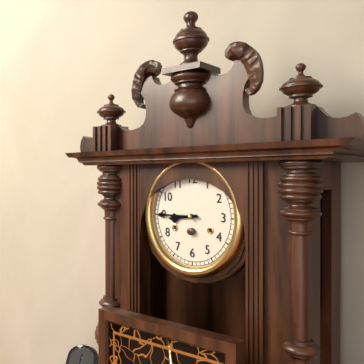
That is 8 h 45 min
